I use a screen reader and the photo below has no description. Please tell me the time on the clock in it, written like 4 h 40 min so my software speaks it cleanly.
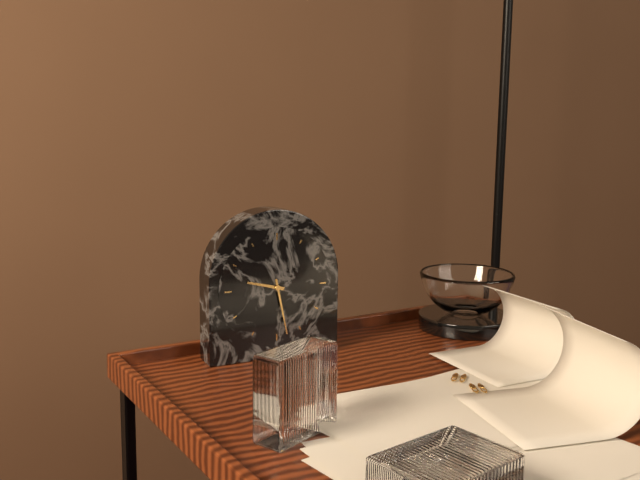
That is 9 h 28 min
